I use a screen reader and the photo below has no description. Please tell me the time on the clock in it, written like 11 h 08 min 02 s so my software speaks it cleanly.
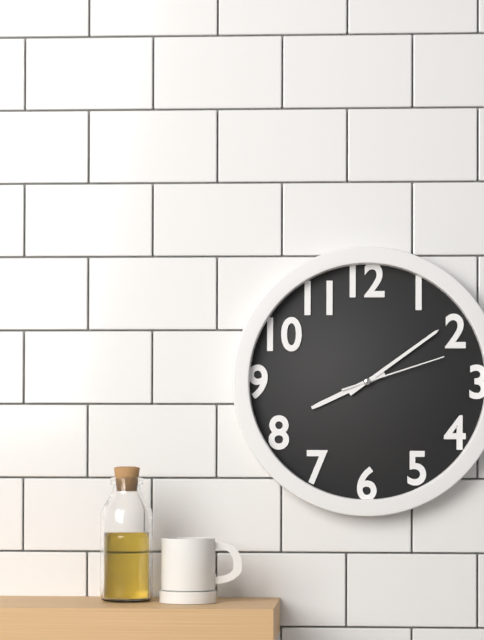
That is 8 h 09 min 12 s
